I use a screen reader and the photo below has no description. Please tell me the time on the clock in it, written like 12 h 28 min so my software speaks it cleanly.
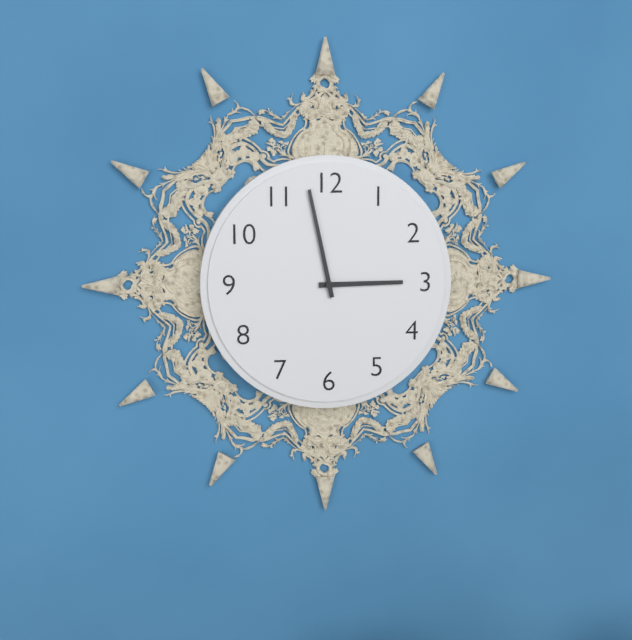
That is 2 h 58 min
